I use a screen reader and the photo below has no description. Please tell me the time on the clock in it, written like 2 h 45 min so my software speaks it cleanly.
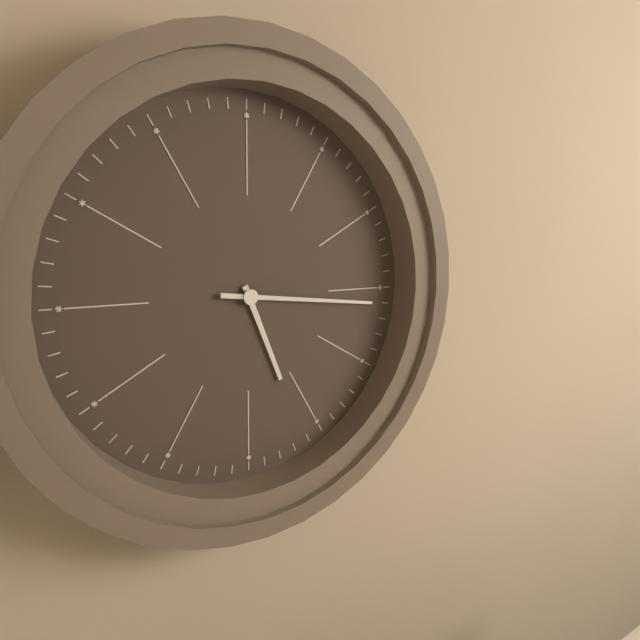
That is 5 h 16 min
